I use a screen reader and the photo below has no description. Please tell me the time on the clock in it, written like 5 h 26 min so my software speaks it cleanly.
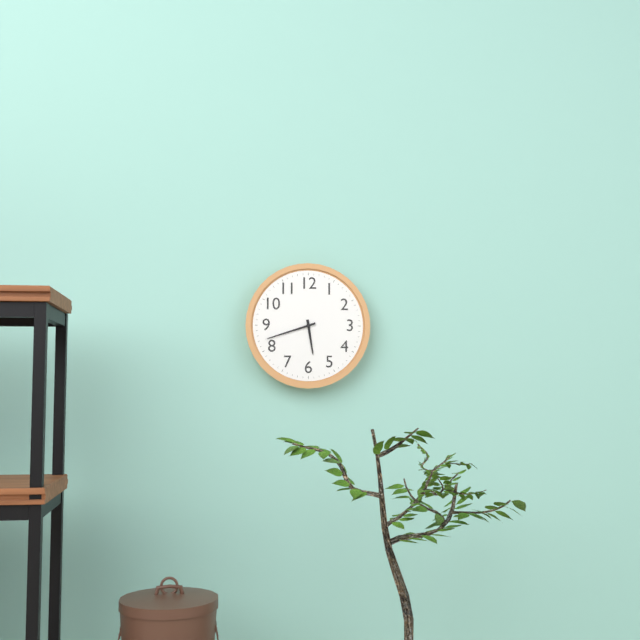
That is 5 h 42 min
